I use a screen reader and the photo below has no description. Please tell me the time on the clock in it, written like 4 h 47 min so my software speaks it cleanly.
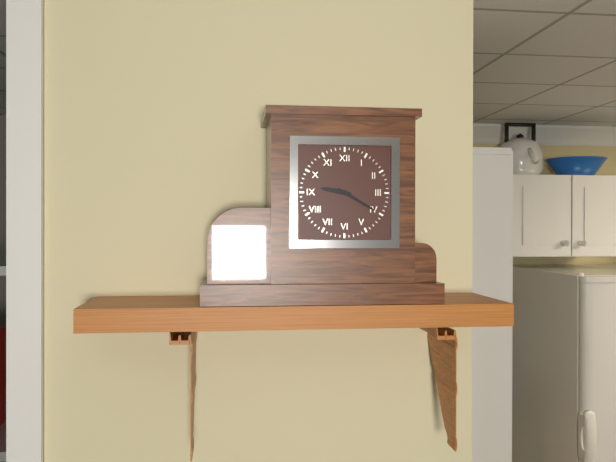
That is 9 h 20 min
